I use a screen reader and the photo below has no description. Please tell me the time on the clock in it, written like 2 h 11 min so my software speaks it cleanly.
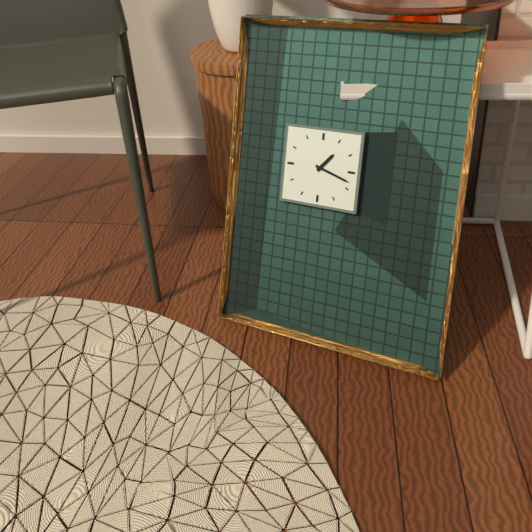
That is 1 h 18 min
